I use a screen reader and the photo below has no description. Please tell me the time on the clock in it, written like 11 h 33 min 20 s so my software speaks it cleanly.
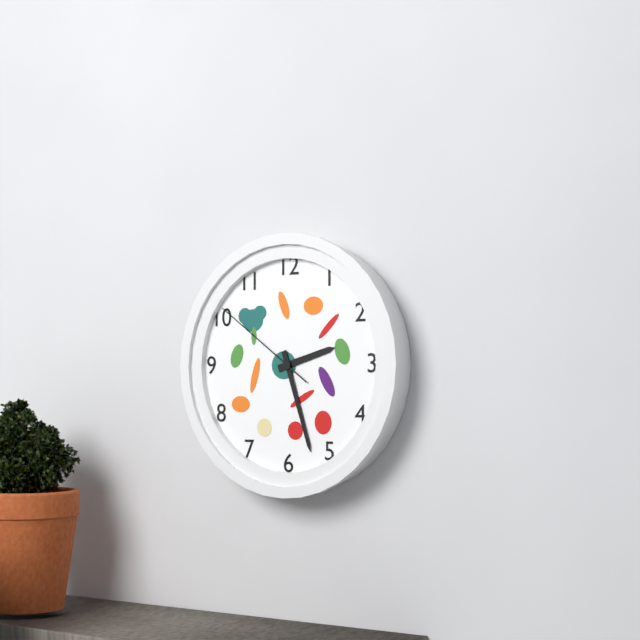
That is 2 h 27 min 51 s
